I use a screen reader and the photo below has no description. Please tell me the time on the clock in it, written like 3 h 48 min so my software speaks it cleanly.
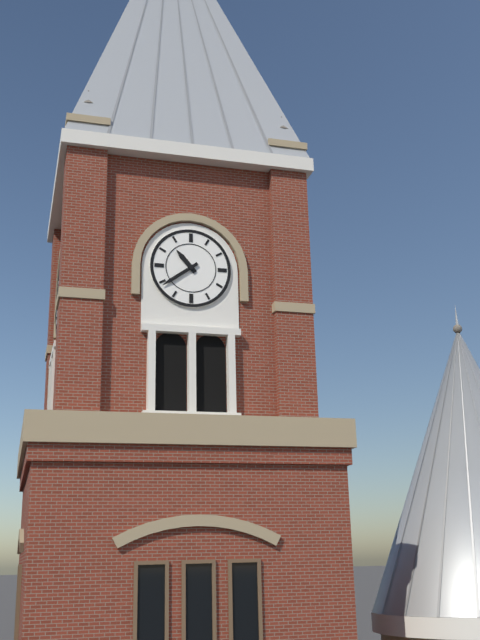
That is 10 h 39 min
